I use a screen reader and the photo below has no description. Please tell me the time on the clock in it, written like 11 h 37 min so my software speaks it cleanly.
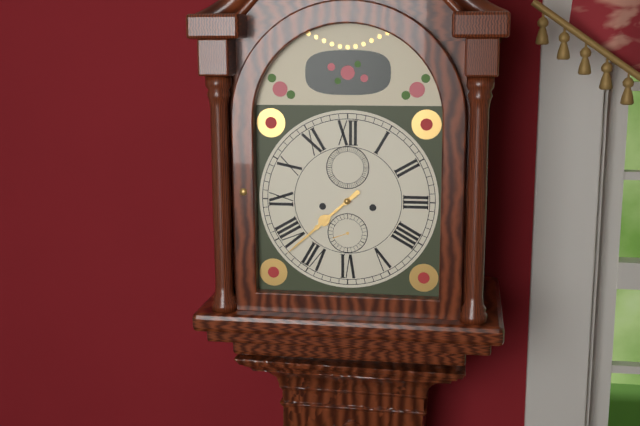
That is 7 h 38 min
